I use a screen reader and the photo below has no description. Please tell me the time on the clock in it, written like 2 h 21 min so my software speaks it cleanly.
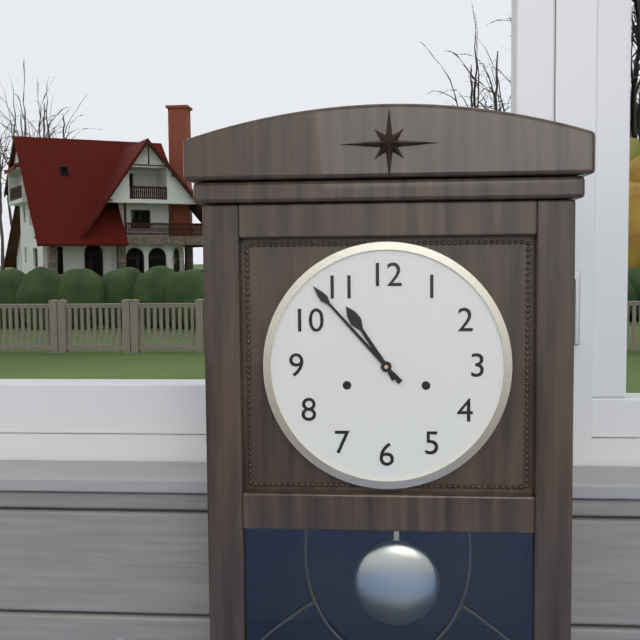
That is 10 h 53 min
